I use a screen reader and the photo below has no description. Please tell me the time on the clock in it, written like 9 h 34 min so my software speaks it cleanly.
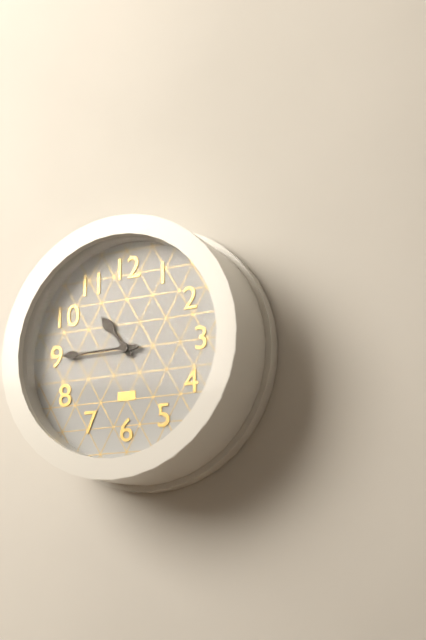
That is 10 h 45 min
